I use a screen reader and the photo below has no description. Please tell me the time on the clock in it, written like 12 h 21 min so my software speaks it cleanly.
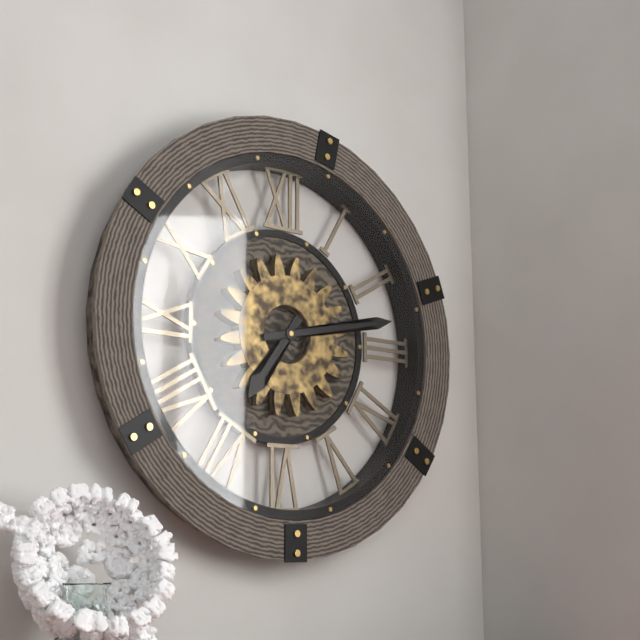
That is 7 h 13 min
